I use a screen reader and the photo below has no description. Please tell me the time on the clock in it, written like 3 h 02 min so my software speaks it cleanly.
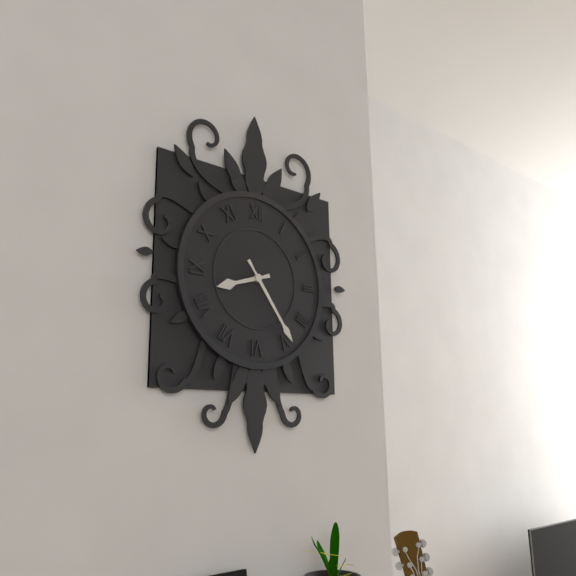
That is 8 h 24 min
